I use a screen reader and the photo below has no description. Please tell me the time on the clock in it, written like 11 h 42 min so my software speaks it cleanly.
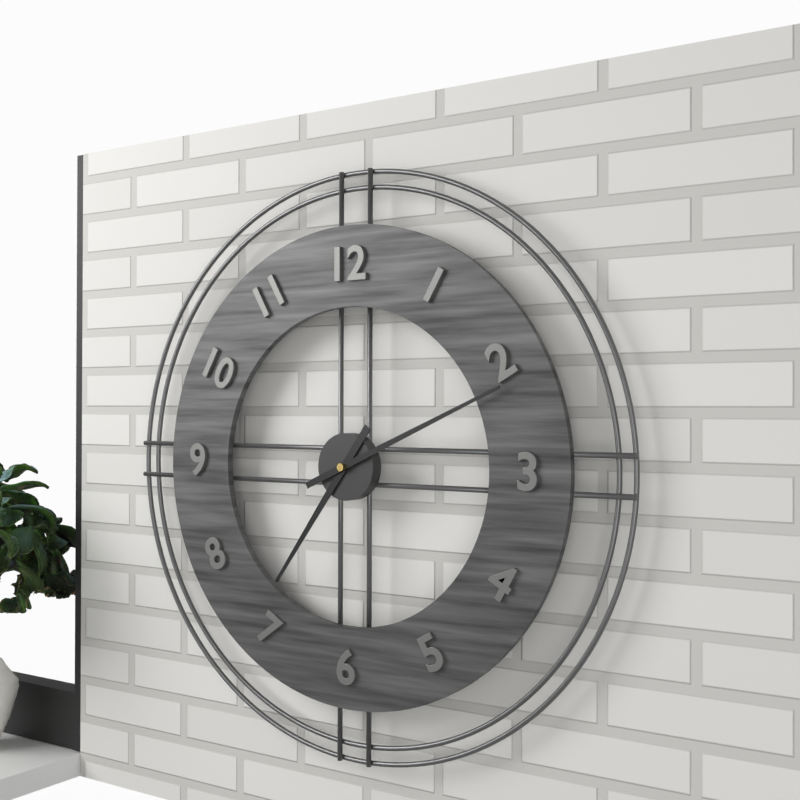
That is 7 h 11 min
